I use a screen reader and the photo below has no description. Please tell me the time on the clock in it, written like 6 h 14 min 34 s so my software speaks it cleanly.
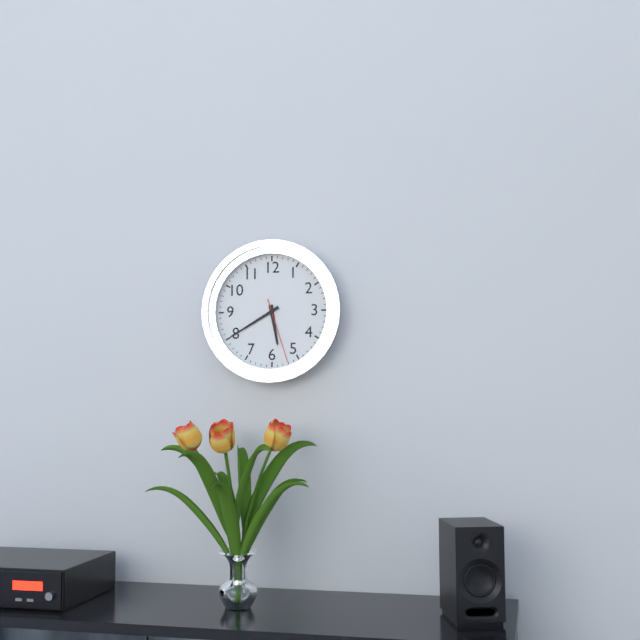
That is 5 h 40 min 27 s
